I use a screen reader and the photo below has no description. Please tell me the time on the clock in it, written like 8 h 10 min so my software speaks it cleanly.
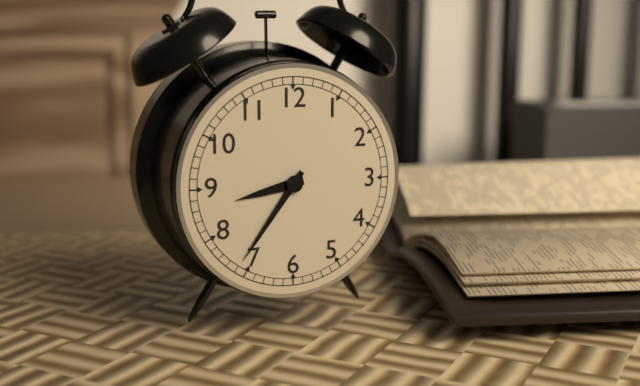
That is 8 h 36 min
